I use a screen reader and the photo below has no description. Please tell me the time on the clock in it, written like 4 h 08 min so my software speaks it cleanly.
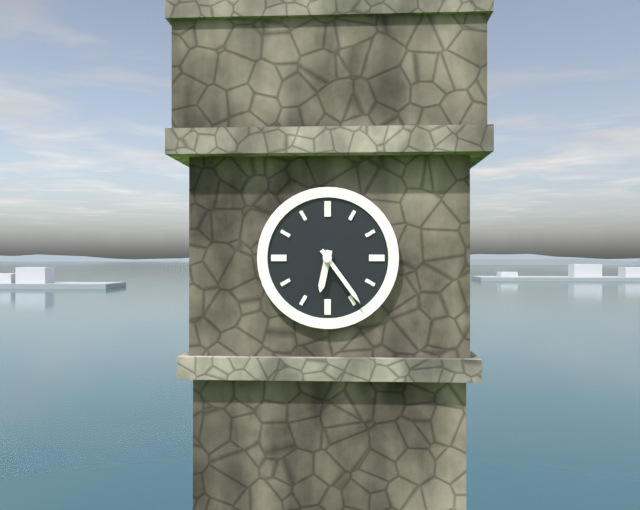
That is 6 h 24 min
